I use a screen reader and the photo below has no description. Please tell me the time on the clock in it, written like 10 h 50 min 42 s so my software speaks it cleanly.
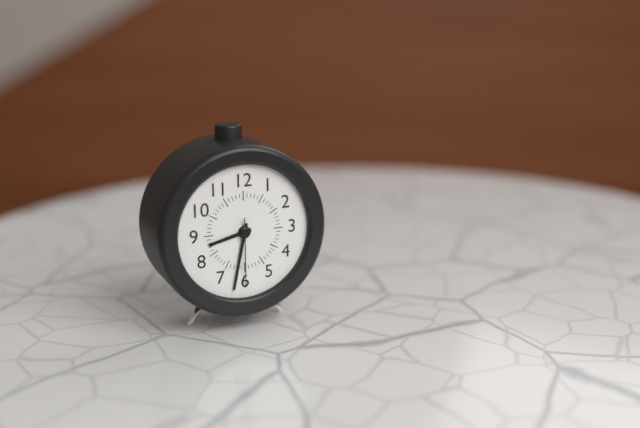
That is 8 h 32 min 30 s
